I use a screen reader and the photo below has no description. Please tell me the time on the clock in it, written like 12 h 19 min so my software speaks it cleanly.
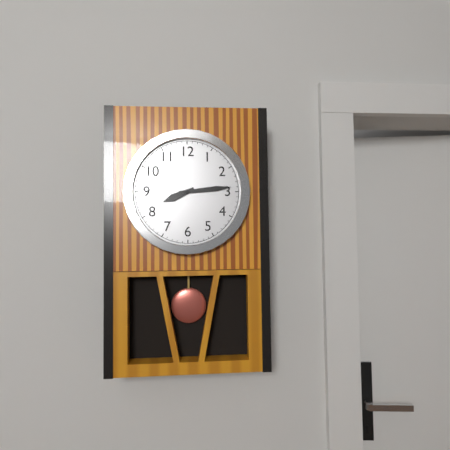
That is 8 h 14 min
